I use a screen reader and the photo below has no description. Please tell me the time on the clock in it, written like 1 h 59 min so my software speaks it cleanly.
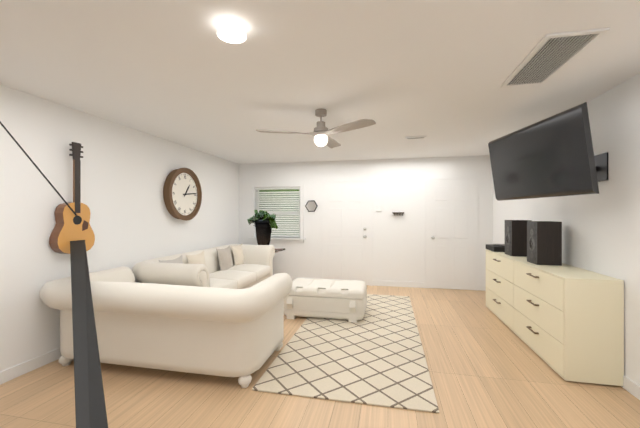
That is 1 h 14 min
